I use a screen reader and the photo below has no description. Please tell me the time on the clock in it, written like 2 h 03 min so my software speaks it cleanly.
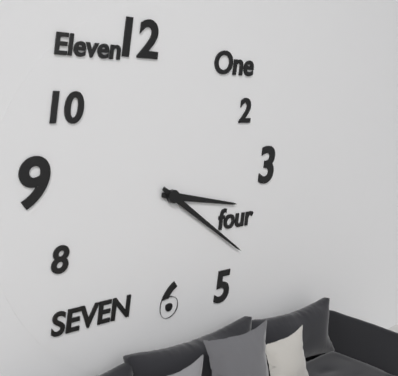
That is 3 h 21 min
